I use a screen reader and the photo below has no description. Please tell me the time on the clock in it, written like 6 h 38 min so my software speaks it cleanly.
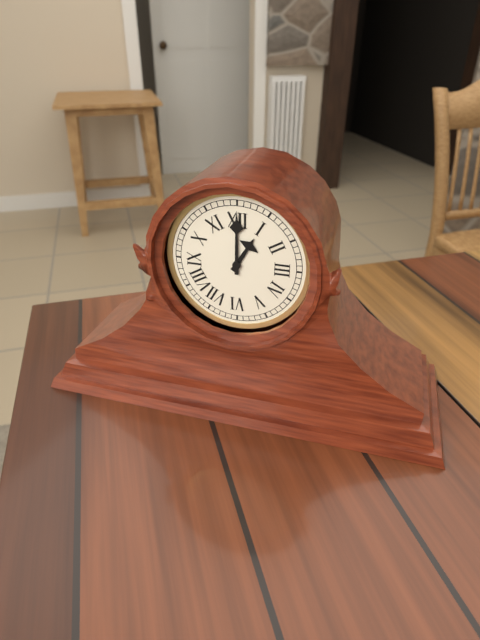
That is 1 h 00 min
